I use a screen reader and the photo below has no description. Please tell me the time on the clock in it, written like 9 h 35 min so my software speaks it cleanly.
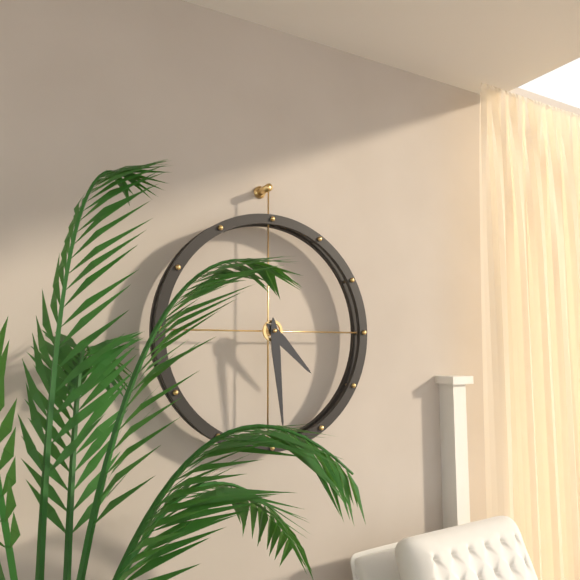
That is 4 h 29 min
